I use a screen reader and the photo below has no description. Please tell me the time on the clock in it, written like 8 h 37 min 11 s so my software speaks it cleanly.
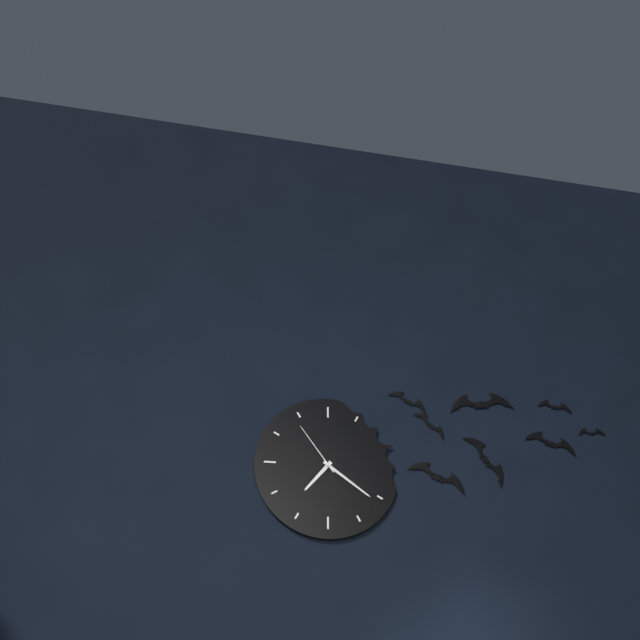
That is 7 h 21 min 54 s
